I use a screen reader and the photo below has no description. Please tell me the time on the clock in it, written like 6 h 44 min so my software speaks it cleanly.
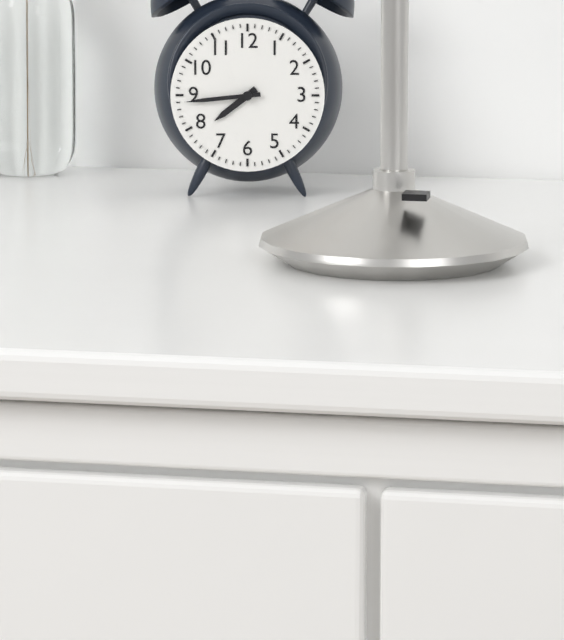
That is 7 h 44 min
